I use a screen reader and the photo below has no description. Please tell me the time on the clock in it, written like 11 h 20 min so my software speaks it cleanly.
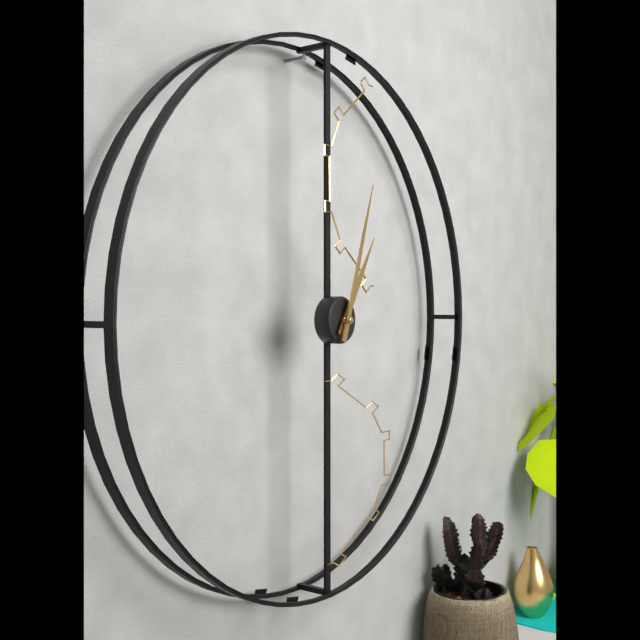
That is 1 h 03 min
